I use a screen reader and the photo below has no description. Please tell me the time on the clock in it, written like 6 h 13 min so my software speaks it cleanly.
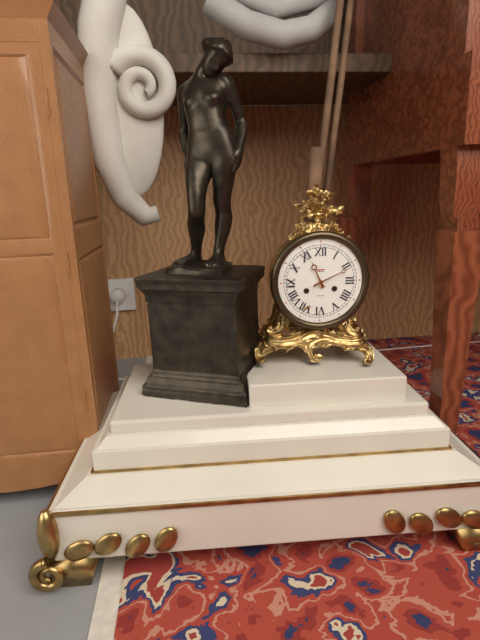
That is 11 h 11 min
